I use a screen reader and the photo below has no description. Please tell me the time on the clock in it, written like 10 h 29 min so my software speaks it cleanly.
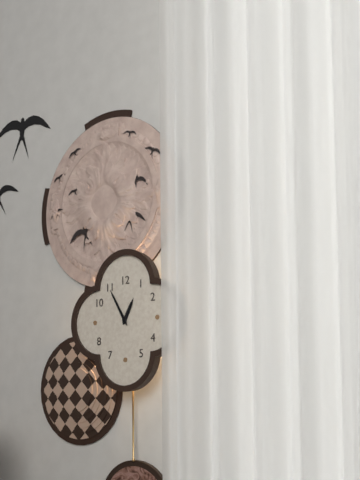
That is 12 h 55 min
